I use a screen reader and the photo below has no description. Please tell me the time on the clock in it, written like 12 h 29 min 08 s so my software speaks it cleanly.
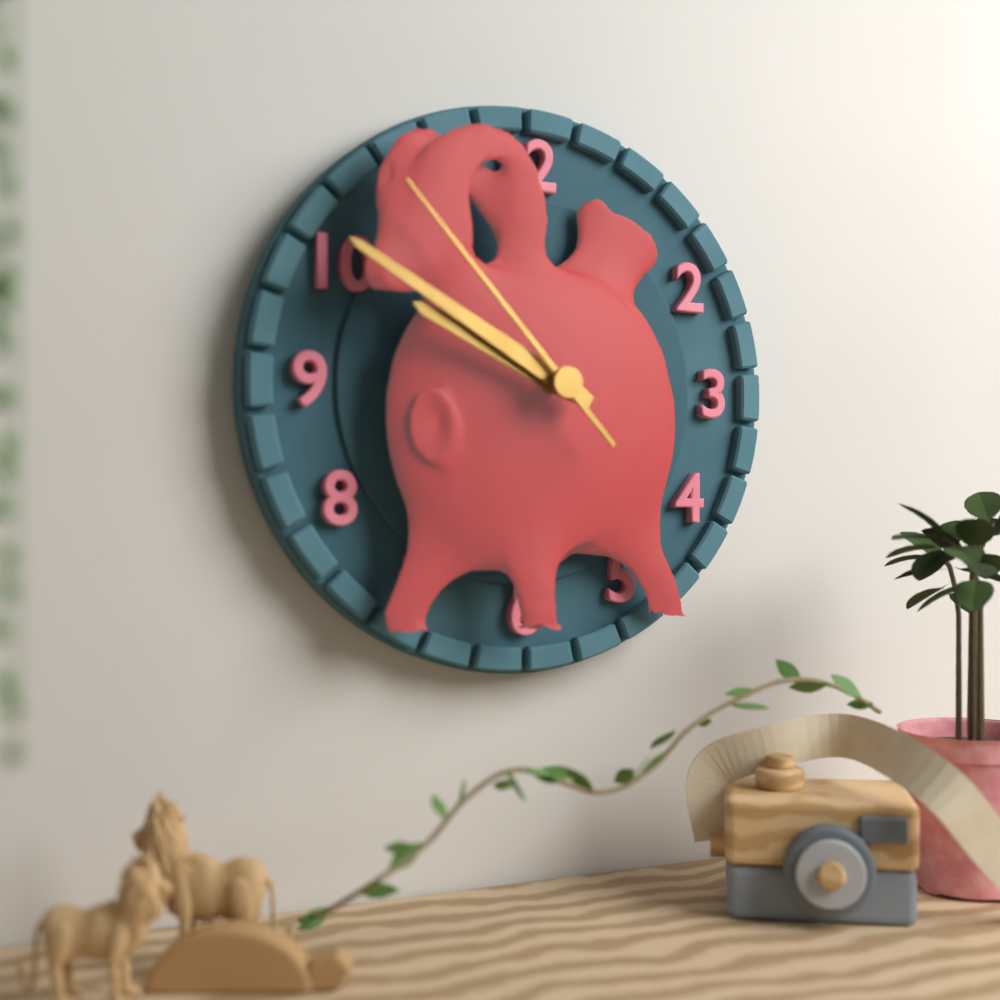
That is 9 h 50 min 53 s
